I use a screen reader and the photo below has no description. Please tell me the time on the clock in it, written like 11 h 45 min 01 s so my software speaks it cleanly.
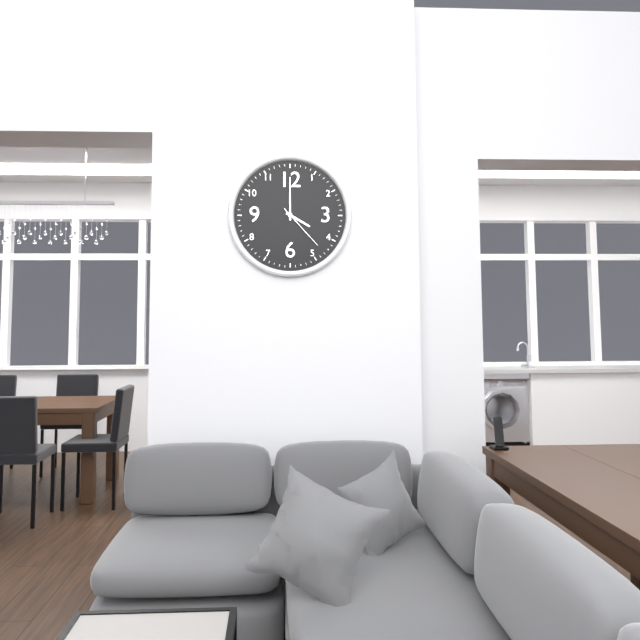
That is 4 h 00 min 23 s
